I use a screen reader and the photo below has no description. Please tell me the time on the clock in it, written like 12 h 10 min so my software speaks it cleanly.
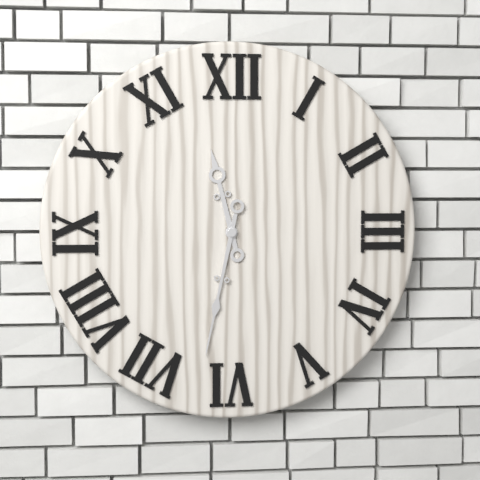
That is 11 h 32 min
